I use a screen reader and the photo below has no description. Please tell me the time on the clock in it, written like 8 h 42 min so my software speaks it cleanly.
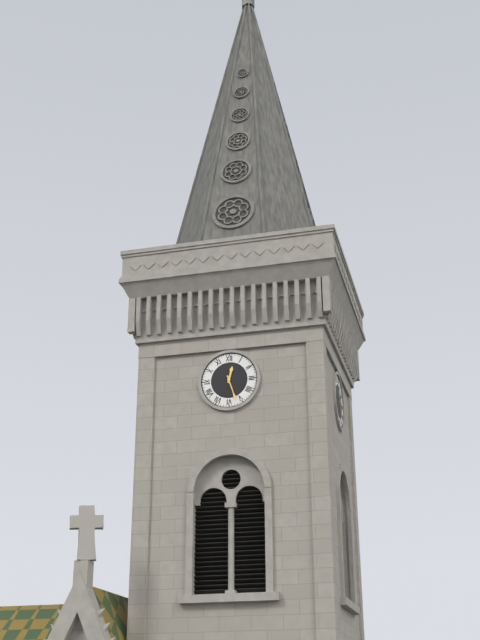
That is 12 h 27 min
